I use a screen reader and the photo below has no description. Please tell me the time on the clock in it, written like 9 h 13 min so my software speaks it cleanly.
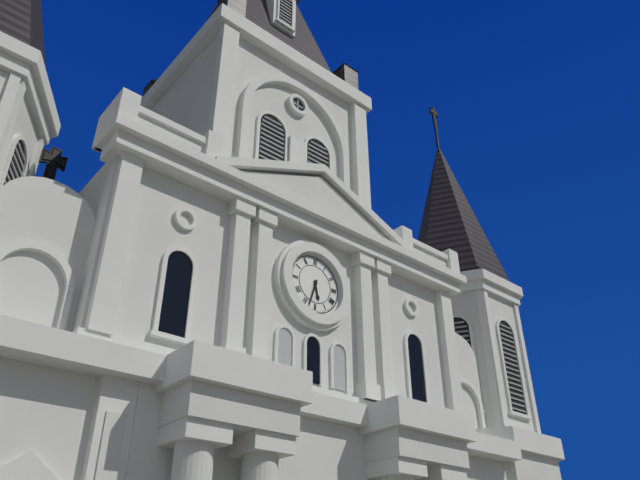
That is 5 h 33 min
